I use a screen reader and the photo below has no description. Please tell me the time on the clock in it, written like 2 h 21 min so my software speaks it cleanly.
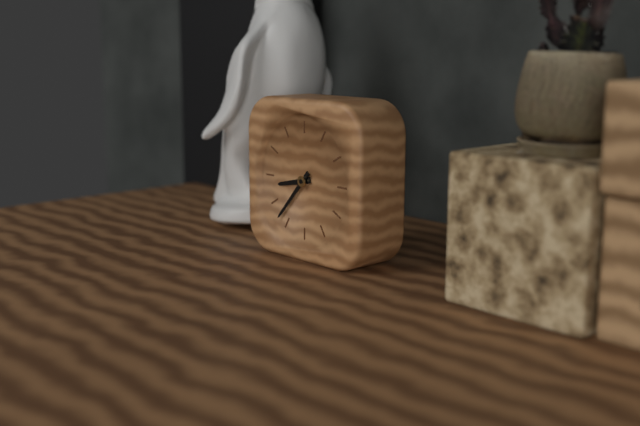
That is 8 h 37 min
